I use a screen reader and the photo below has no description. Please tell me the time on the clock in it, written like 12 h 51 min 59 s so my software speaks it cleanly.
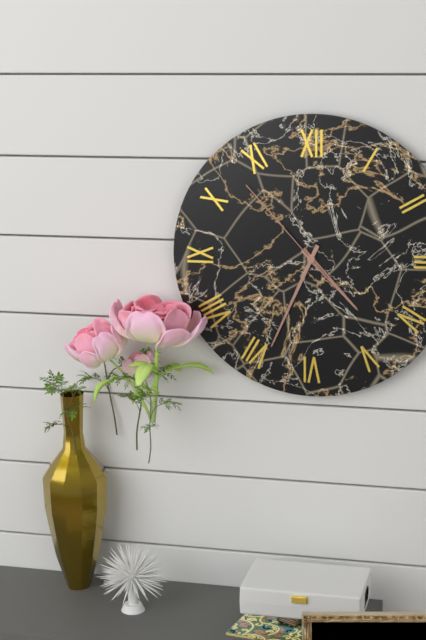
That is 4 h 34 min 53 s
